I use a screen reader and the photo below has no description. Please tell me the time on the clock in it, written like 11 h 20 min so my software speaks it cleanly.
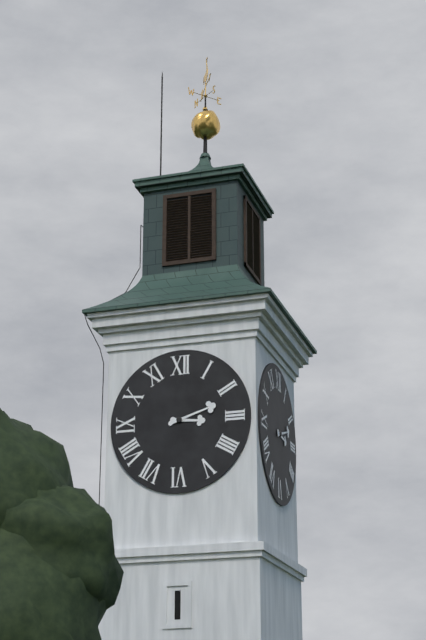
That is 3 h 12 min
